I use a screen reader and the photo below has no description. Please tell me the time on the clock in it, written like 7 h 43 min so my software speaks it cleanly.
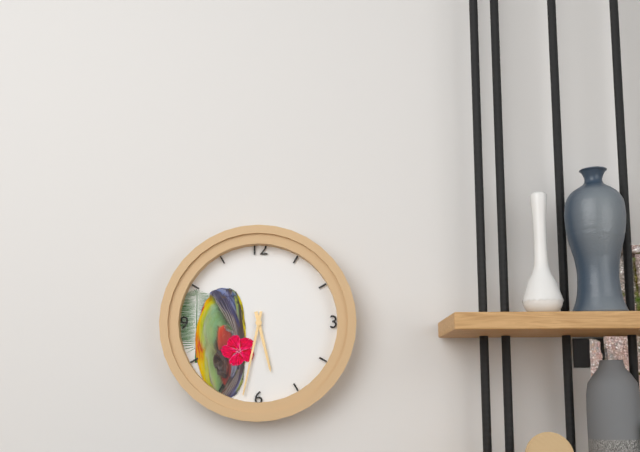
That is 5 h 32 min
